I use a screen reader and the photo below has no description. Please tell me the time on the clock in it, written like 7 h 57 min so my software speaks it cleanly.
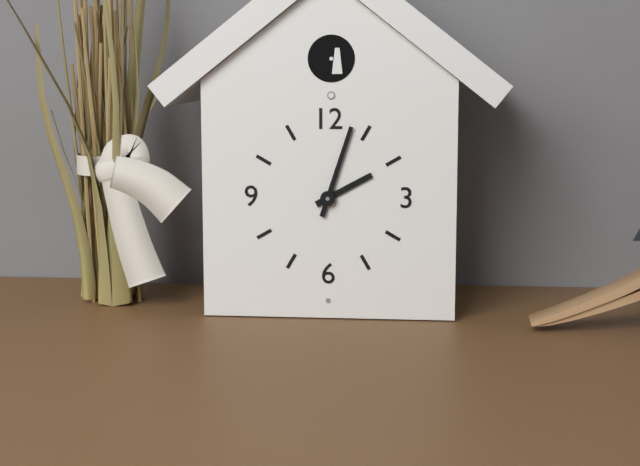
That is 2 h 03 min
